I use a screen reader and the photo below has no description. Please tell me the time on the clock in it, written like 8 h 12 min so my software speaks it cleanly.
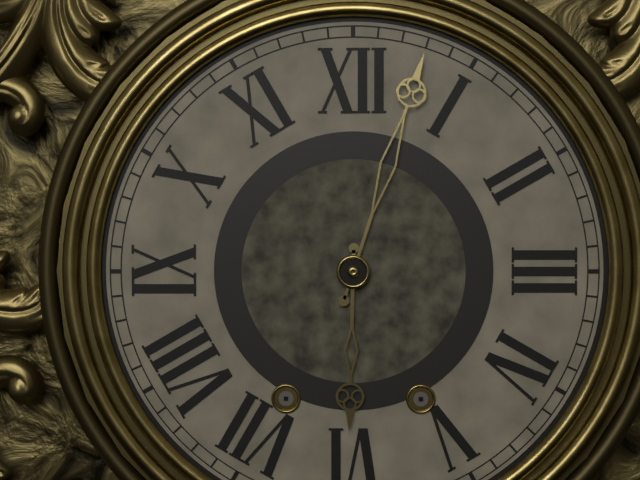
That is 6 h 03 min
